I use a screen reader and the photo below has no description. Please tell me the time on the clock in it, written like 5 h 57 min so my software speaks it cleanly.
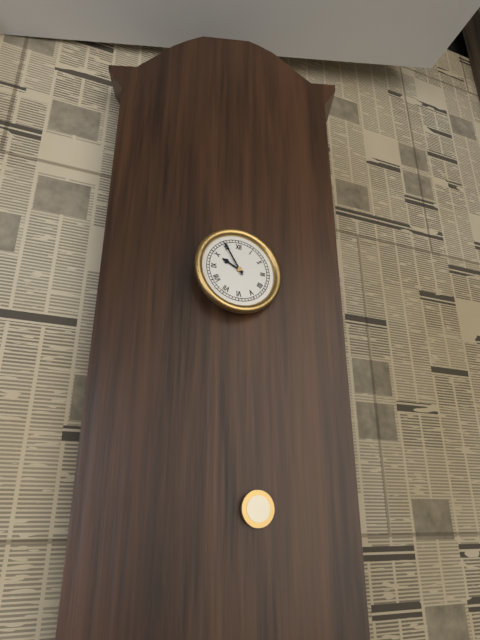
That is 9 h 55 min
